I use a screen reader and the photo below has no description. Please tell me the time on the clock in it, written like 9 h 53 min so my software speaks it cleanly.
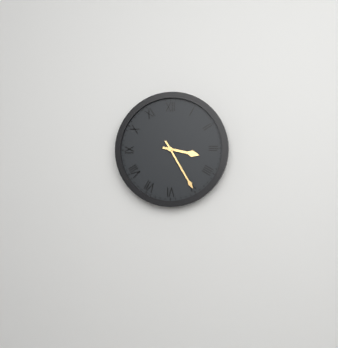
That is 3 h 25 min
